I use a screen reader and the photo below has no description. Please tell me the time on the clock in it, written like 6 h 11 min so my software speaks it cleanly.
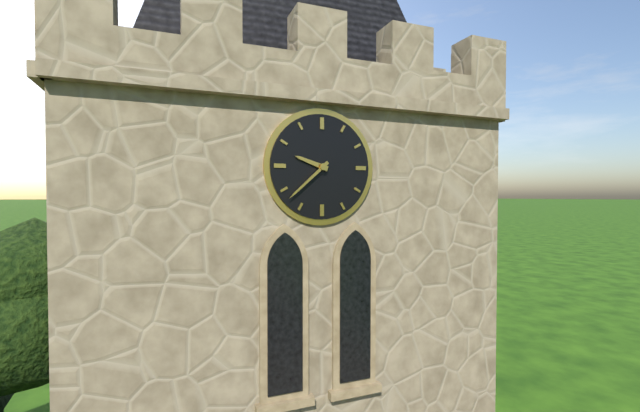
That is 9 h 38 min
